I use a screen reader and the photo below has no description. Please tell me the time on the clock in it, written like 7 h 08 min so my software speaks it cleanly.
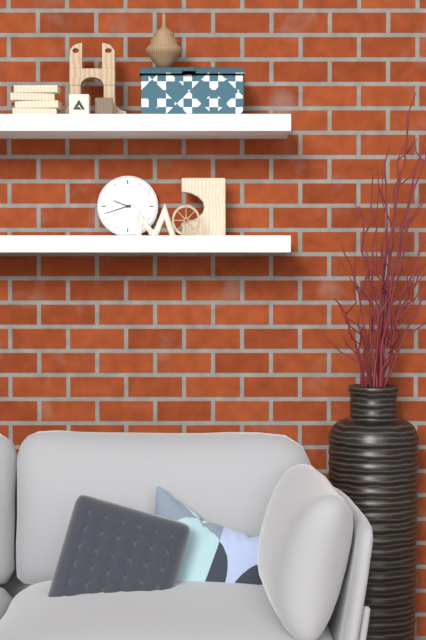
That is 9 h 42 min
